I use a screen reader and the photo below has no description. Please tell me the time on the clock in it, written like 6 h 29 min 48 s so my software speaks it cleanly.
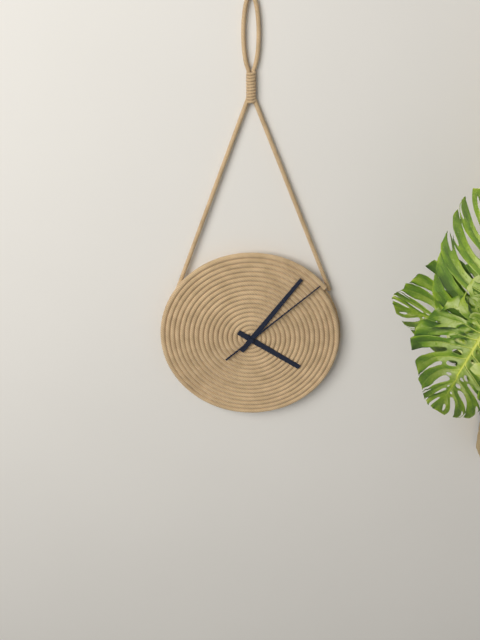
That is 4 h 06 min 08 s
